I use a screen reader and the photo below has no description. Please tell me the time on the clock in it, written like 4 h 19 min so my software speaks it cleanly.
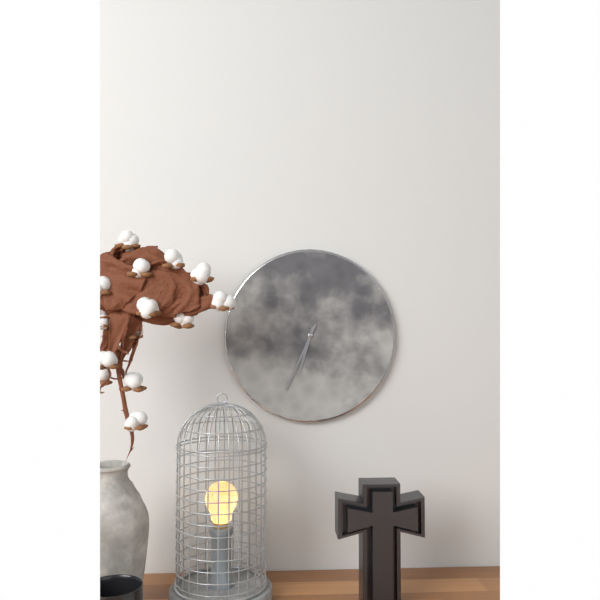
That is 6 h 34 min
